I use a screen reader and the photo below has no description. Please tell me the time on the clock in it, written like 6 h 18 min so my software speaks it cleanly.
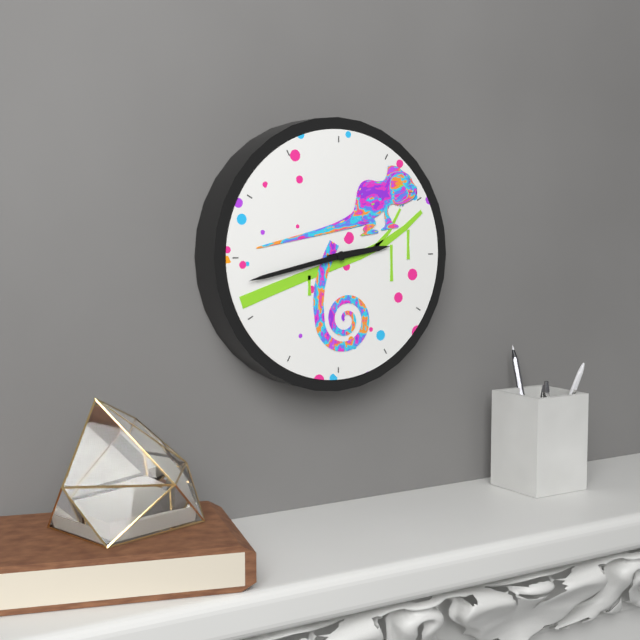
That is 2 h 43 min
